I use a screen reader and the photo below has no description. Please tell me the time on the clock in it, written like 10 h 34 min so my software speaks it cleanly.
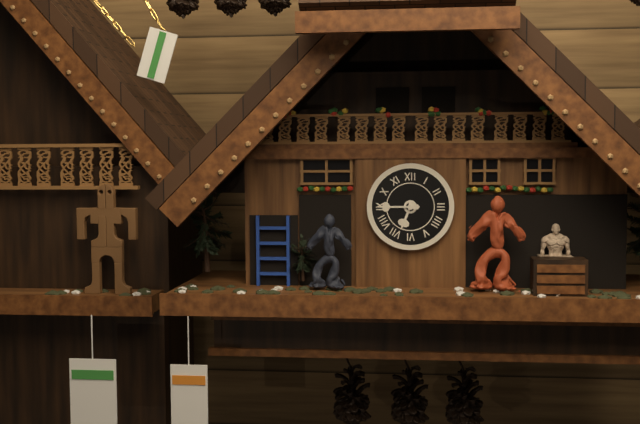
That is 6 h 45 min
